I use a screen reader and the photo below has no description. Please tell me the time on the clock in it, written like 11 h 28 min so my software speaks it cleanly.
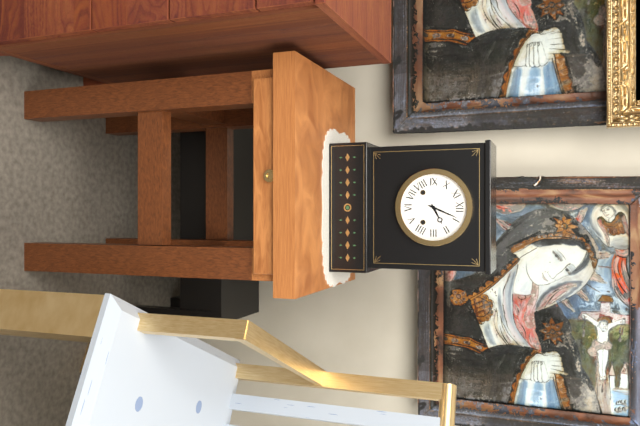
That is 2 h 04 min
